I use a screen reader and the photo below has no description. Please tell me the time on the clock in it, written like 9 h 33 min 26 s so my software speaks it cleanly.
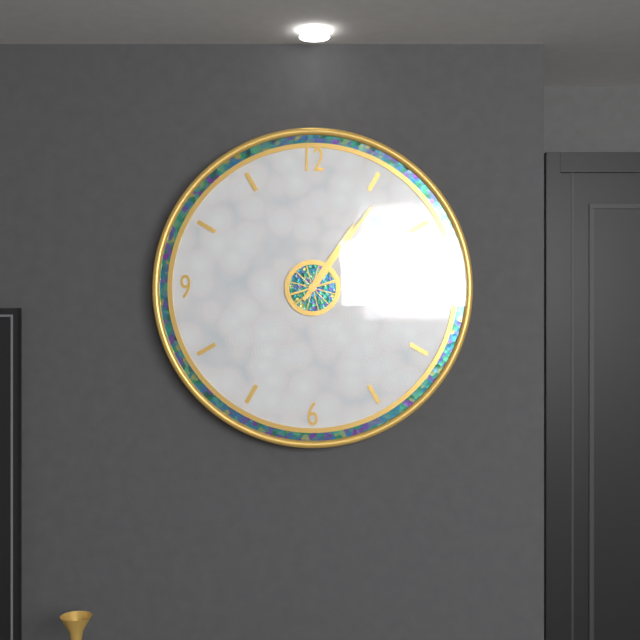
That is 1 h 06 min 12 s
